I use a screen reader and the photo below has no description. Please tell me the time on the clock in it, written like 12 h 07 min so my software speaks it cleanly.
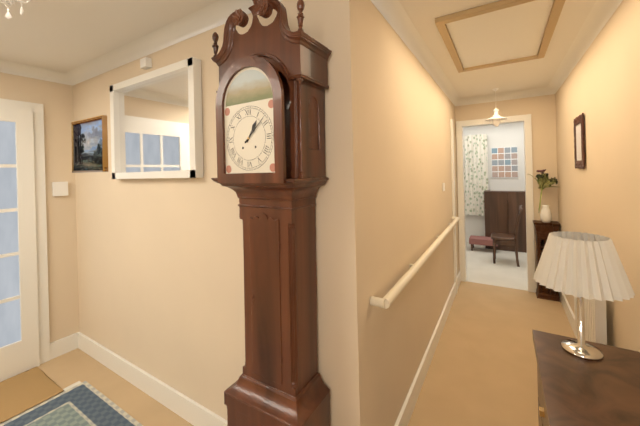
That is 1 h 08 min
